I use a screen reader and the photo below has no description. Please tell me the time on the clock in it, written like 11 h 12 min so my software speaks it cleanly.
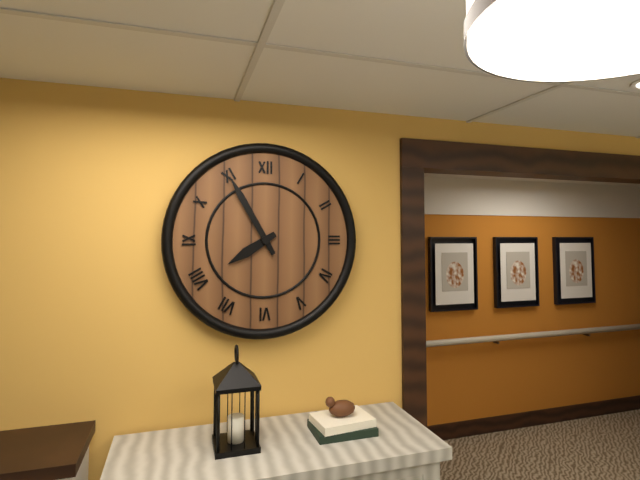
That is 7 h 55 min
